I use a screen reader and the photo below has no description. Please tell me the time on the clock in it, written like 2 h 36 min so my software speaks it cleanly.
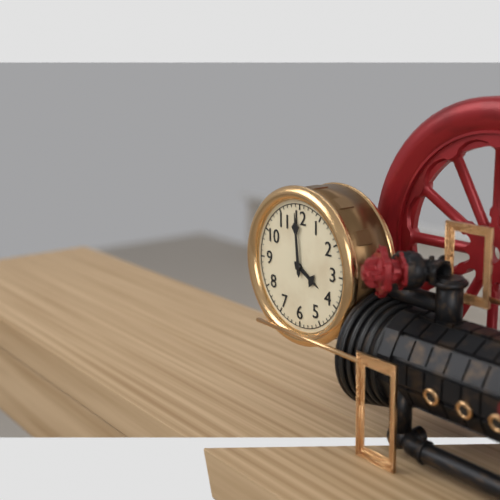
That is 3 h 59 min
